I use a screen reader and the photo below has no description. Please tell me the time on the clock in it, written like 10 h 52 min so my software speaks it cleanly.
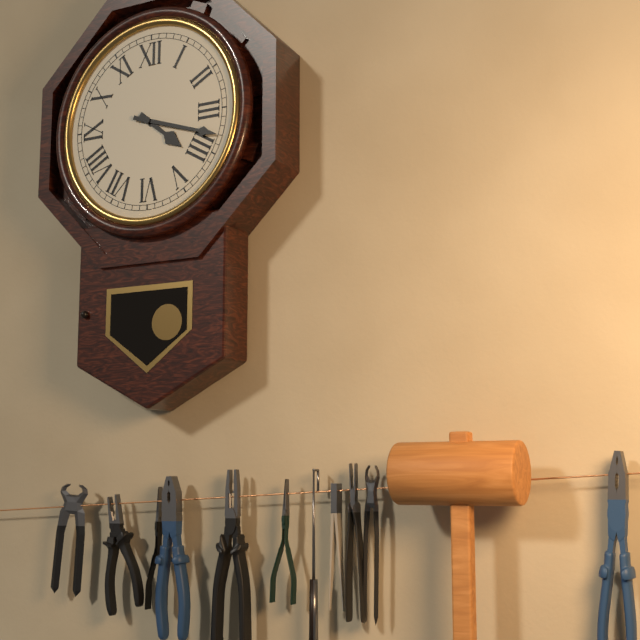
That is 4 h 18 min
